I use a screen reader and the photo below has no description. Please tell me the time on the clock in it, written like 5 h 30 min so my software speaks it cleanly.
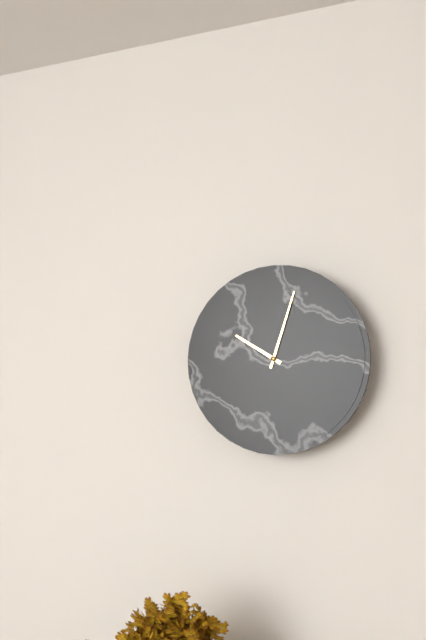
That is 10 h 03 min
